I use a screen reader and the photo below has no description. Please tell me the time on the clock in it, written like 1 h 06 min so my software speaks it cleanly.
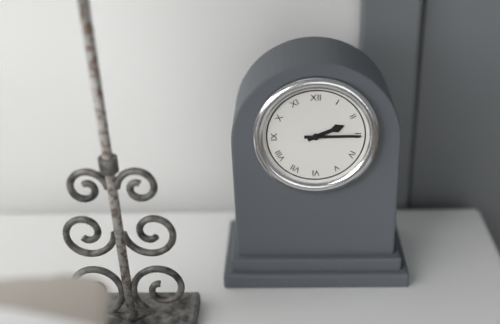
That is 2 h 15 min
